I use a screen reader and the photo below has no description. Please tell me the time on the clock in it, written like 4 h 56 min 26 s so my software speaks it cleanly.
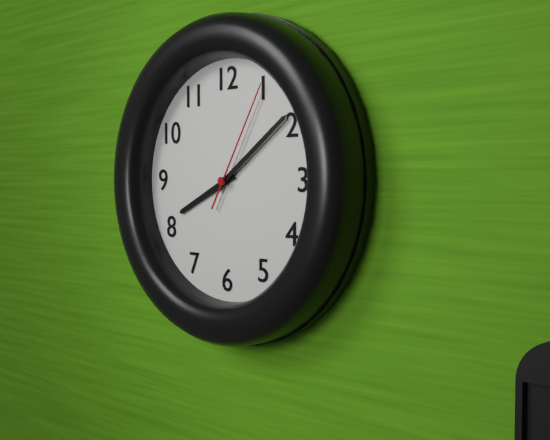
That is 8 h 09 min 05 s
